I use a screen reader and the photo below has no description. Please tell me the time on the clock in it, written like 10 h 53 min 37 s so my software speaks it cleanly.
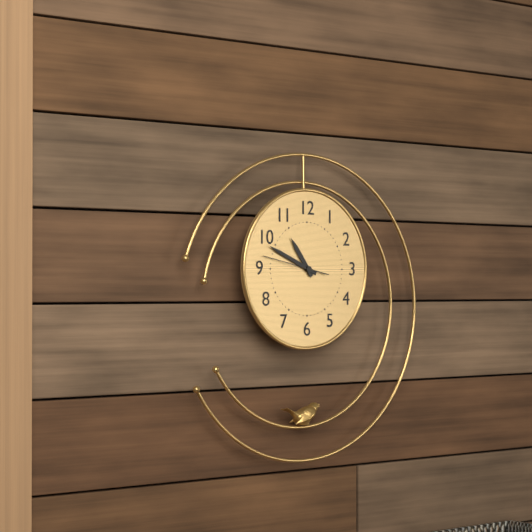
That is 10 h 49 min 47 s
